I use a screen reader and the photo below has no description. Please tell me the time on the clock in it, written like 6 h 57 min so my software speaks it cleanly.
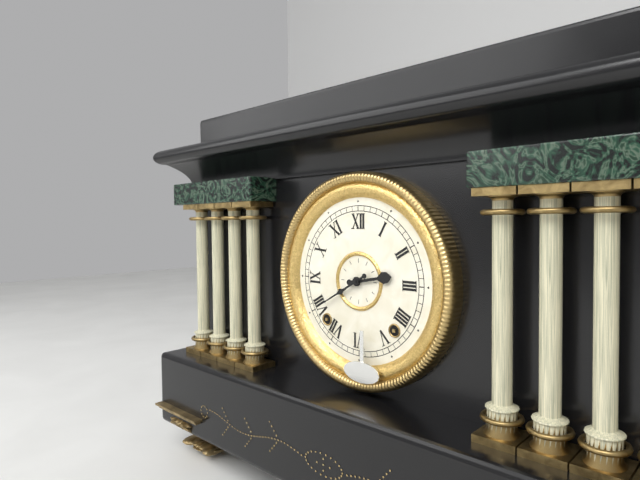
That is 2 h 40 min
